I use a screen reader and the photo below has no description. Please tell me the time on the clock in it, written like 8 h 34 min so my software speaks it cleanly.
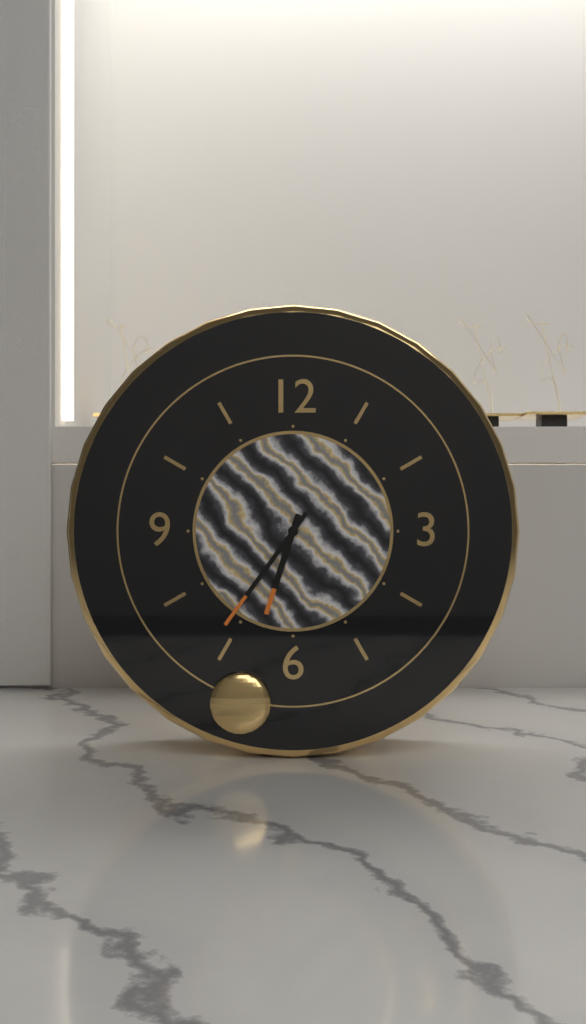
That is 6 h 36 min
